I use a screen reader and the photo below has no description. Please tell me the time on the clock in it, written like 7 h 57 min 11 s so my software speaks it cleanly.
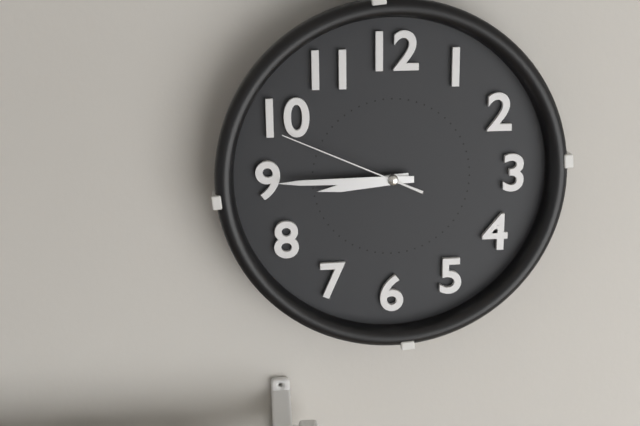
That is 8 h 45 min 49 s
